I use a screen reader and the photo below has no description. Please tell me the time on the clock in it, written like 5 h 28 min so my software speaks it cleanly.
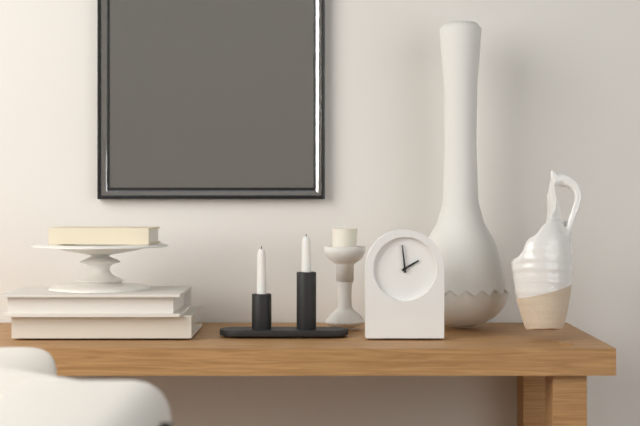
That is 1 h 59 min
